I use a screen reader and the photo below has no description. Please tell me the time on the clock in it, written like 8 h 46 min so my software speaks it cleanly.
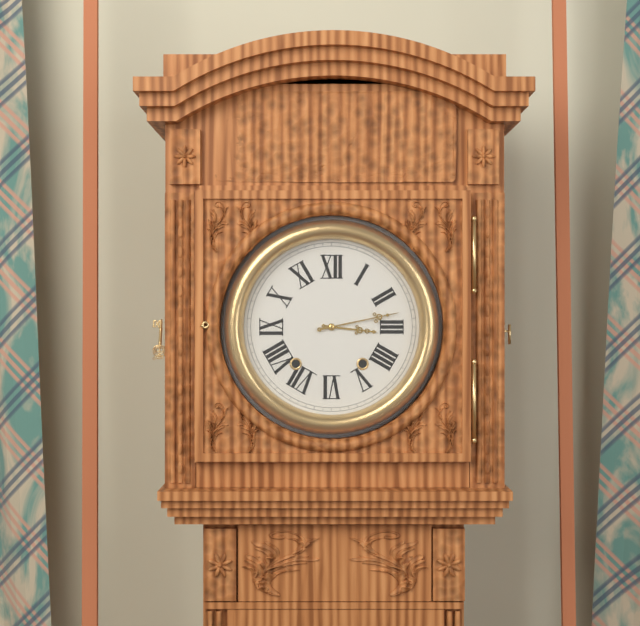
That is 3 h 13 min
